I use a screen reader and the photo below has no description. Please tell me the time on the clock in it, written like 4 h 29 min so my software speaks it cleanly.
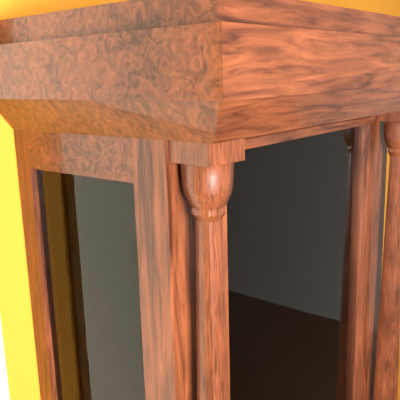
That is 3 h 11 min
